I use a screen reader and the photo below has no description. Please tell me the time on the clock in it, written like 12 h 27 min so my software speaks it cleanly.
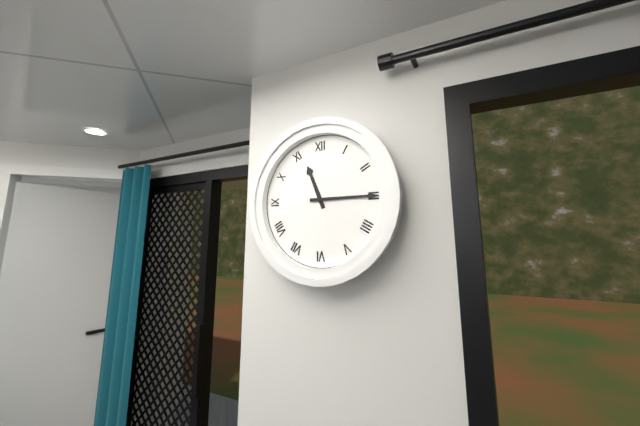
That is 11 h 15 min
